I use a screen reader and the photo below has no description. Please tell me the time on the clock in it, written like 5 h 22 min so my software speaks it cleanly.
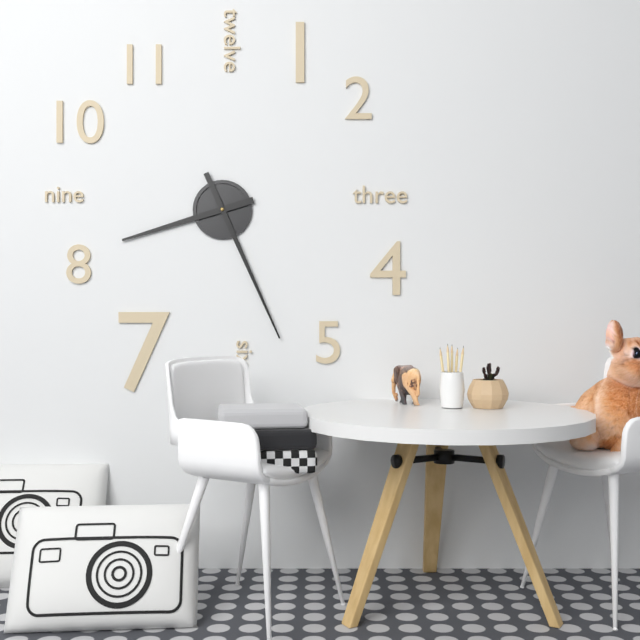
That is 8 h 26 min
